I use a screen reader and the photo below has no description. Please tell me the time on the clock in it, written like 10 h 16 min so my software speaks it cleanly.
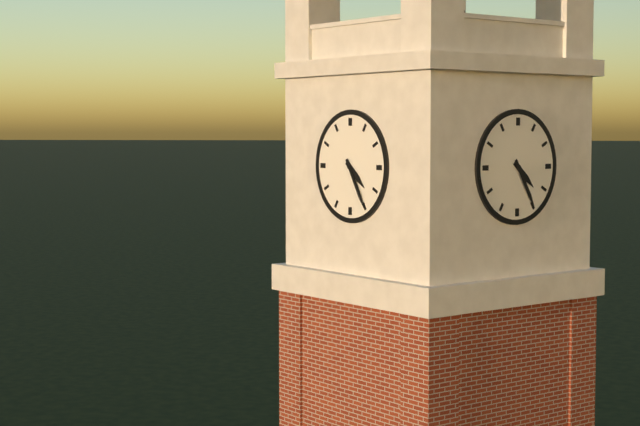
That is 4 h 25 min
